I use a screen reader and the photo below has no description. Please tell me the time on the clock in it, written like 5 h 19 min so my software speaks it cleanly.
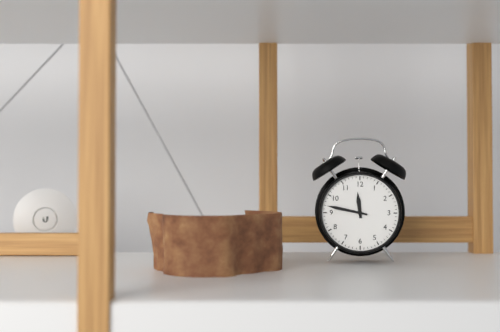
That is 11 h 47 min
